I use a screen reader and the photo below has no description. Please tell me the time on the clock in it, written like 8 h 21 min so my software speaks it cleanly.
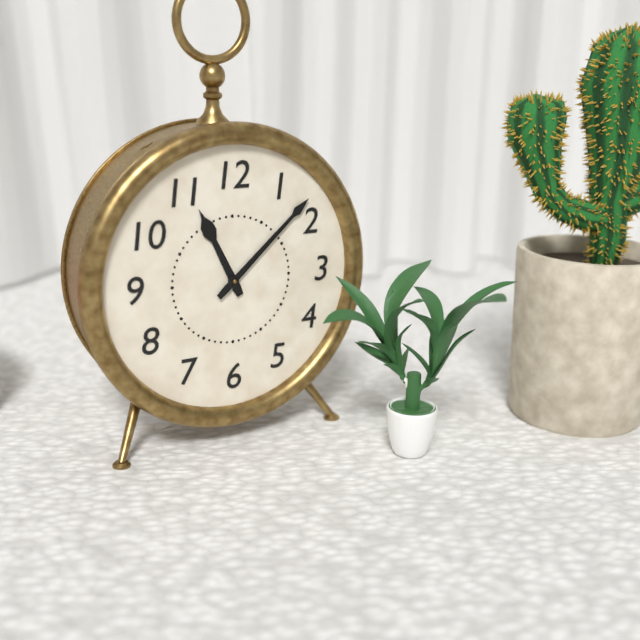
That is 11 h 08 min
